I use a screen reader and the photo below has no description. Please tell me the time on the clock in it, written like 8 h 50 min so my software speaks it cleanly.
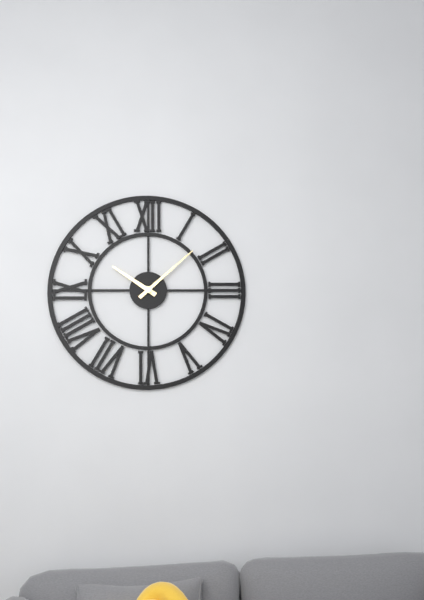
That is 10 h 08 min
